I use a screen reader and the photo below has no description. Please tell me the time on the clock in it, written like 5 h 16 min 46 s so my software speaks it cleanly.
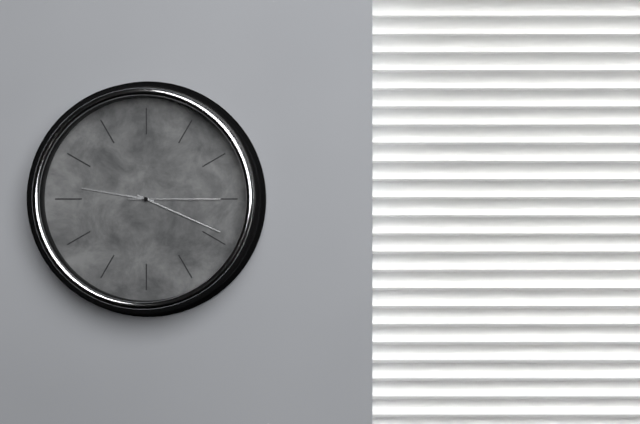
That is 9 h 19 min 15 s
